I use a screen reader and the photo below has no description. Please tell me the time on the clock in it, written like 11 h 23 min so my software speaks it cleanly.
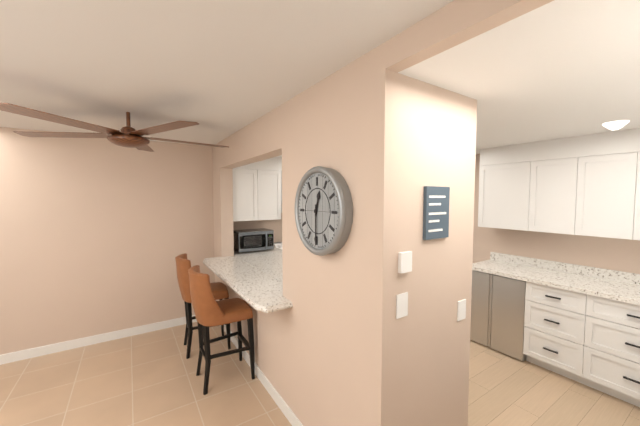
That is 12 h 30 min
